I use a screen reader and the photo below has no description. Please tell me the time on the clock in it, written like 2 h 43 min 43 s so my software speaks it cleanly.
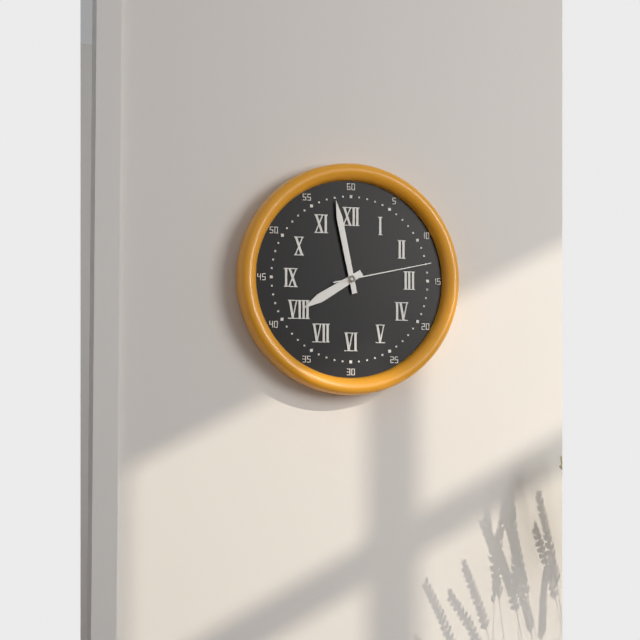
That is 7 h 58 min 13 s
